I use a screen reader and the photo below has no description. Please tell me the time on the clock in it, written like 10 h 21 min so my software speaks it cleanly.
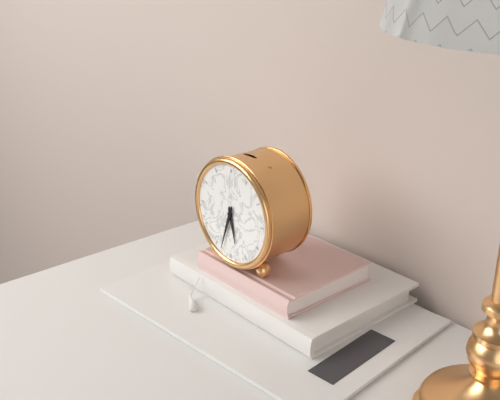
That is 5 h 33 min
